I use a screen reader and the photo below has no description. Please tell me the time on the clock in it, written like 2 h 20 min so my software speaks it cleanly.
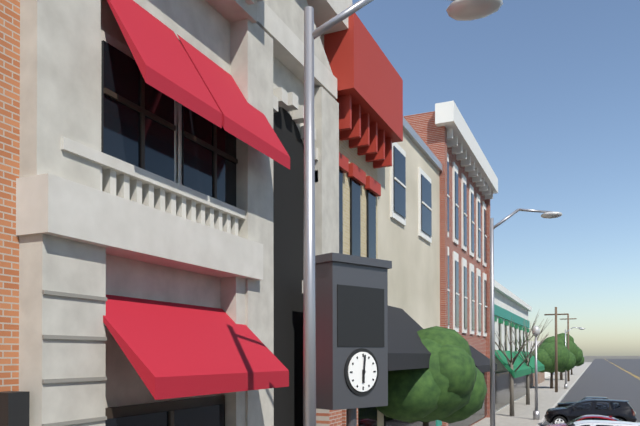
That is 6 h 01 min
